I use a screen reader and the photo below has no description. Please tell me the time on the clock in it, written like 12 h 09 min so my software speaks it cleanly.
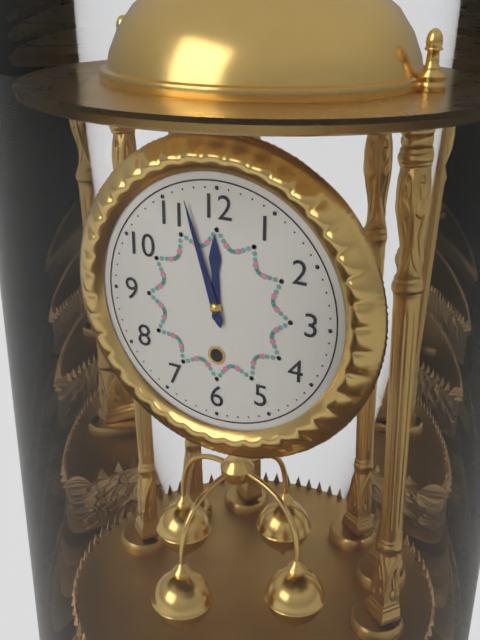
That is 11 h 57 min
